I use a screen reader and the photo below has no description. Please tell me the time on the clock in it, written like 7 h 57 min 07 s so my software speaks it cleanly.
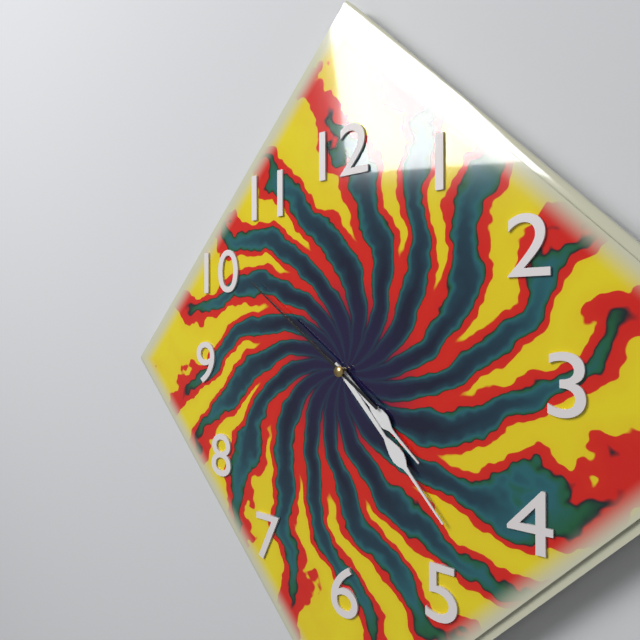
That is 4 h 23 min 51 s
